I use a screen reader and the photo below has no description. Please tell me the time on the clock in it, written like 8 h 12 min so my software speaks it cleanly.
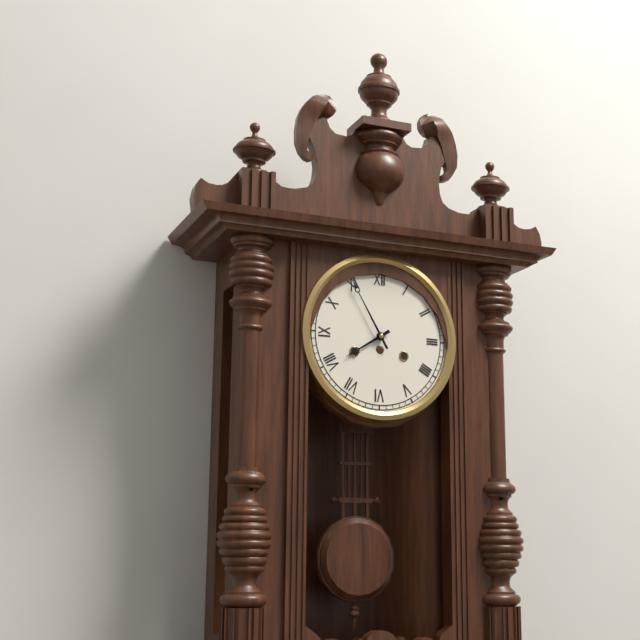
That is 7 h 55 min
